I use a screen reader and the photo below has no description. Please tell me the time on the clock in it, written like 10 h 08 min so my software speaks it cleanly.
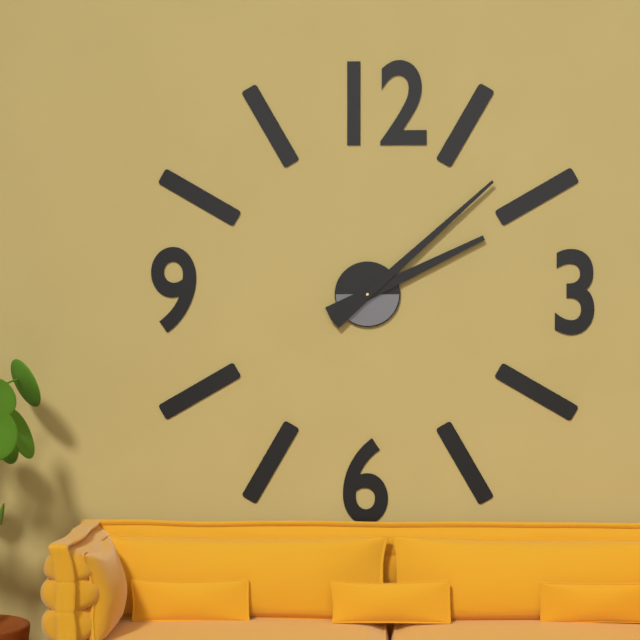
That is 2 h 08 min
